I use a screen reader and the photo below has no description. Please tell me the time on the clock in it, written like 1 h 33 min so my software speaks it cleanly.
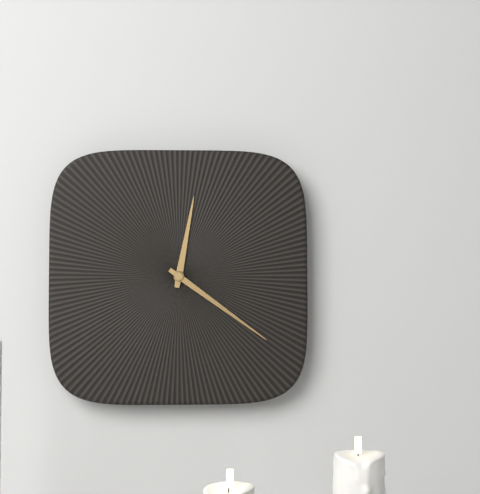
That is 12 h 21 min
